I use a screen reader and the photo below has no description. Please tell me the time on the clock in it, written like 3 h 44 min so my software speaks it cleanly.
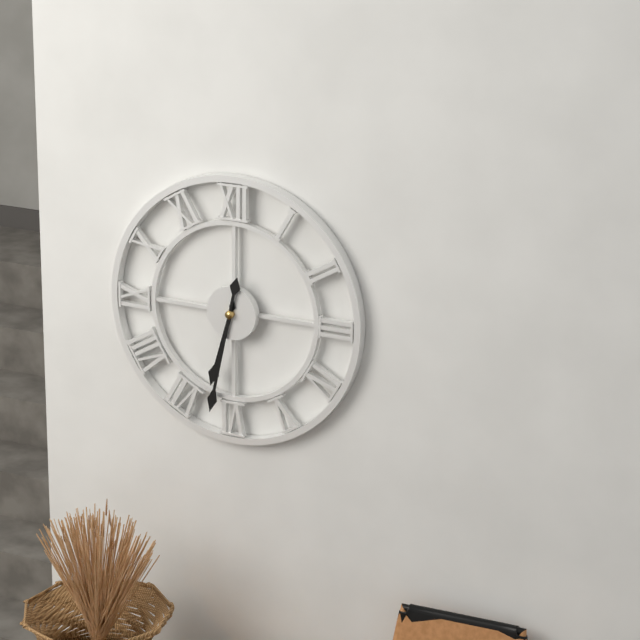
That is 6 h 32 min
